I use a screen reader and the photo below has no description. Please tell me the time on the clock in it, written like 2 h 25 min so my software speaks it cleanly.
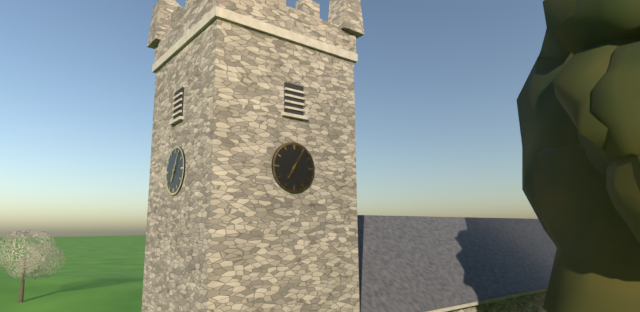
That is 7 h 05 min
